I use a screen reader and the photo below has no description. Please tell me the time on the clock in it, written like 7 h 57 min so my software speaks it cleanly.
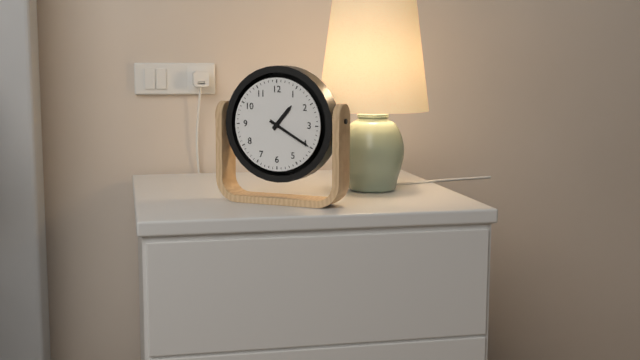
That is 1 h 20 min
